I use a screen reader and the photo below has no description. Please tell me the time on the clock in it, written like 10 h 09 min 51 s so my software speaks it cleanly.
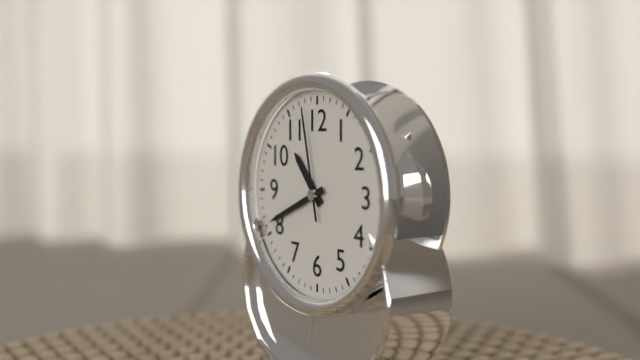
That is 10 h 41 min 58 s
